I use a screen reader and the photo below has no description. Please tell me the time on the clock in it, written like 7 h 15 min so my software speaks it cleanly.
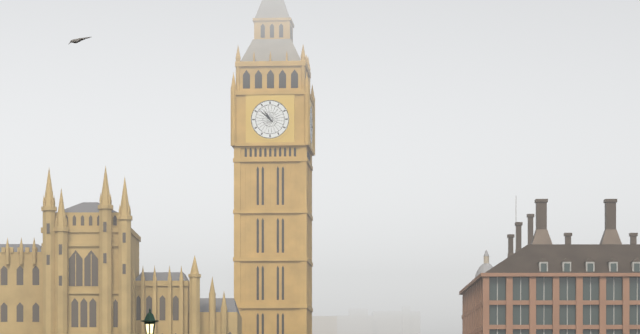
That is 10 h 52 min
